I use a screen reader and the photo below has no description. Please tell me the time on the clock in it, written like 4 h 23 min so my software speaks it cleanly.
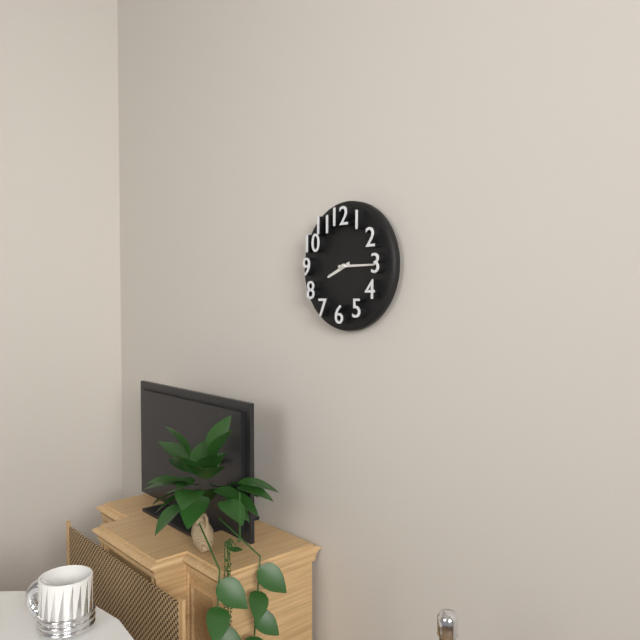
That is 8 h 15 min
